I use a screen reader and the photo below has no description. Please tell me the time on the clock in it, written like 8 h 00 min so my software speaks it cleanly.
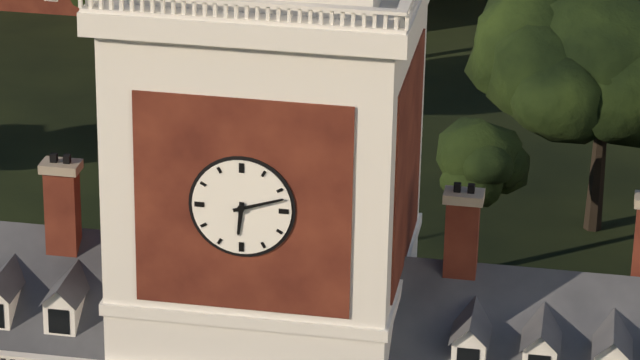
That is 6 h 12 min
